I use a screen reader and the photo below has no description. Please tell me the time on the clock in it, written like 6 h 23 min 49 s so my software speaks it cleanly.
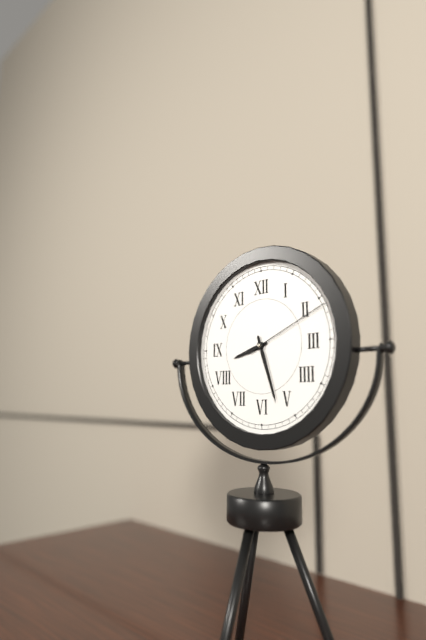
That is 8 h 27 min 11 s
